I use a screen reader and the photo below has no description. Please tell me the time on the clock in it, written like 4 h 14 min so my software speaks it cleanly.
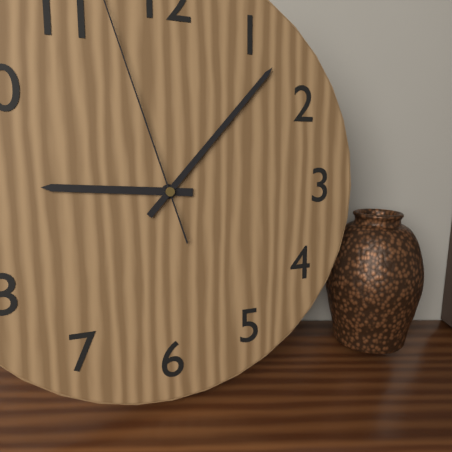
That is 9 h 07 min
